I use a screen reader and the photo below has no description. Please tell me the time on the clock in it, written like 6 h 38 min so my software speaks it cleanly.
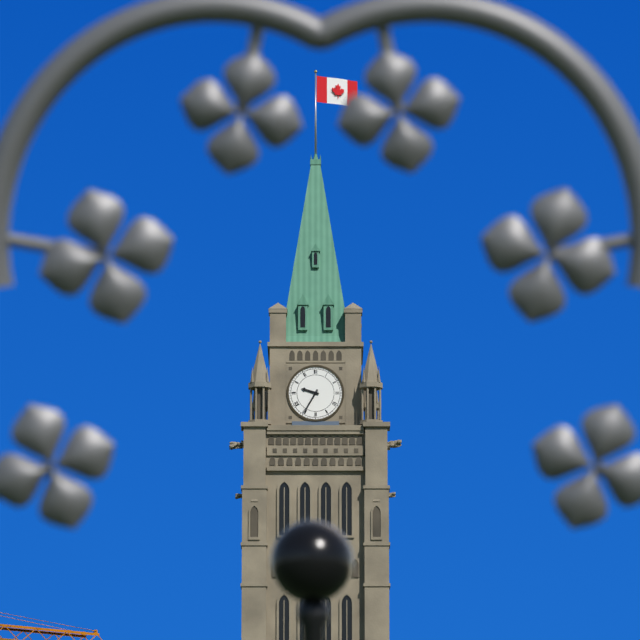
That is 9 h 35 min
